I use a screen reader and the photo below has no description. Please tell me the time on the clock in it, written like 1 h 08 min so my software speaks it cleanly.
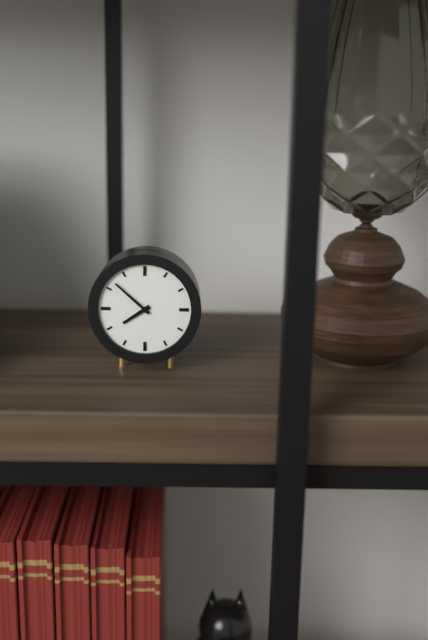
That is 7 h 52 min
